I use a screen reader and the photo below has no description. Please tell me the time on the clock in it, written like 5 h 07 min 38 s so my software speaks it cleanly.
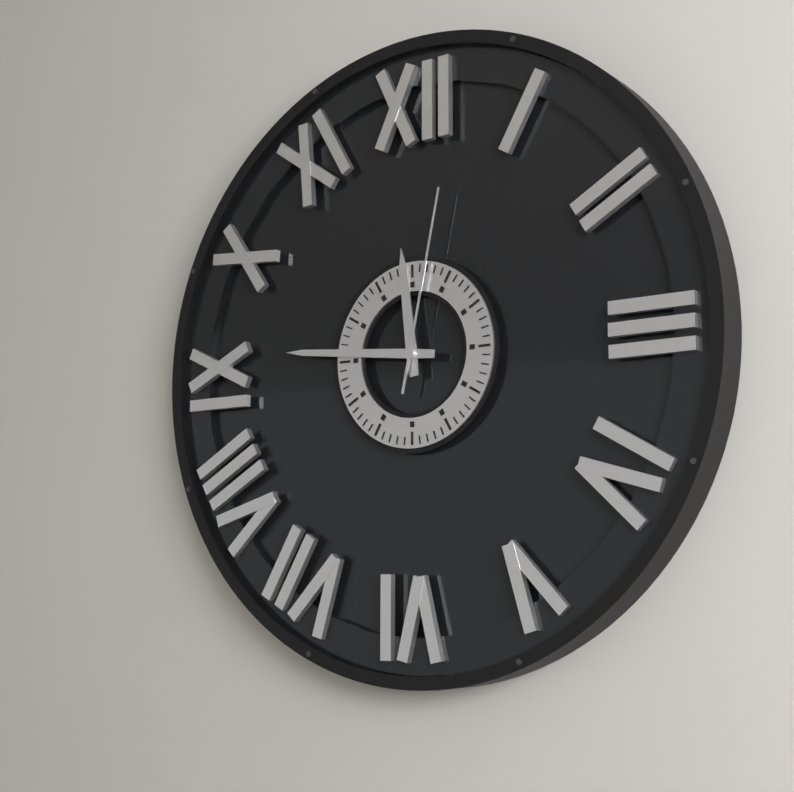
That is 11 h 46 min 02 s
